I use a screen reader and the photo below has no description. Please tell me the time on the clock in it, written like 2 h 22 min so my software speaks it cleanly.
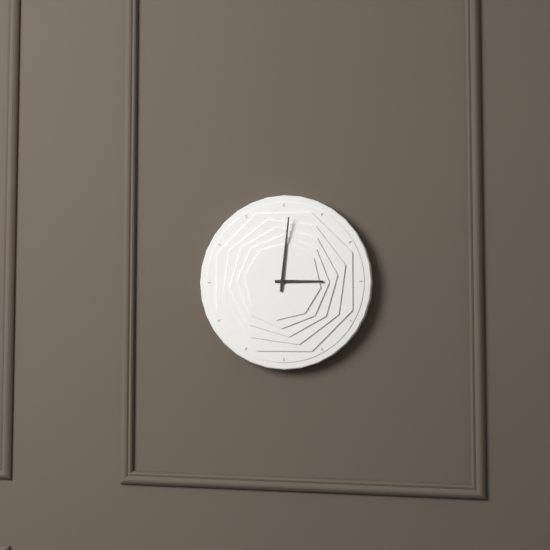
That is 3 h 01 min
